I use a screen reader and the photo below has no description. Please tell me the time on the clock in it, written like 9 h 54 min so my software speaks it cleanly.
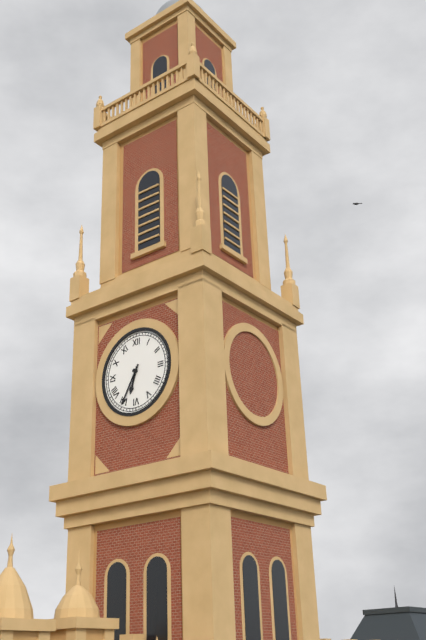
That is 6 h 35 min
